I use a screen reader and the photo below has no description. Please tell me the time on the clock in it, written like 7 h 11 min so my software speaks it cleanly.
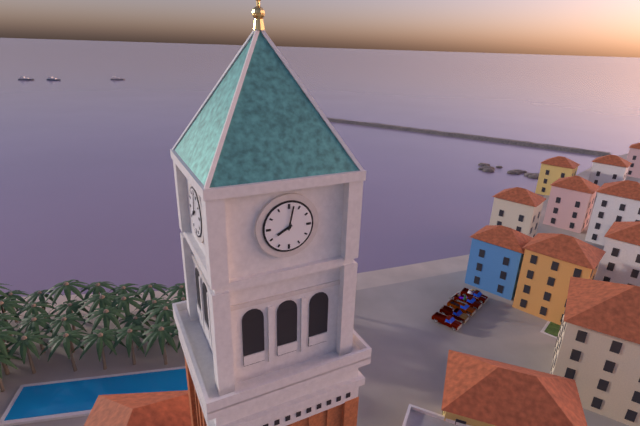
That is 8 h 02 min
